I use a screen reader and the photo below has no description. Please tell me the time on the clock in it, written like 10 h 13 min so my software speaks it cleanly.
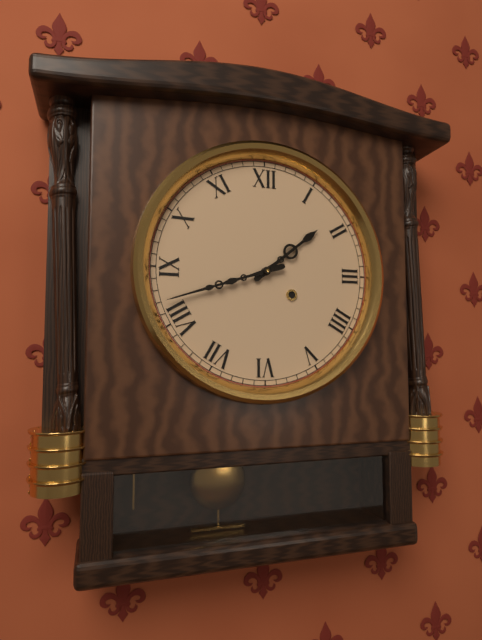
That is 1 h 42 min
